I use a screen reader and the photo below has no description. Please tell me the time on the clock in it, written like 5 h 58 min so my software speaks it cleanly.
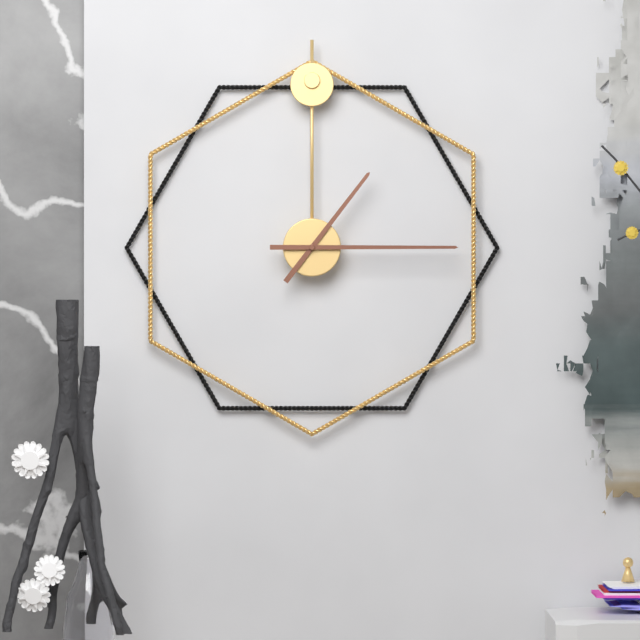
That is 1 h 15 min
